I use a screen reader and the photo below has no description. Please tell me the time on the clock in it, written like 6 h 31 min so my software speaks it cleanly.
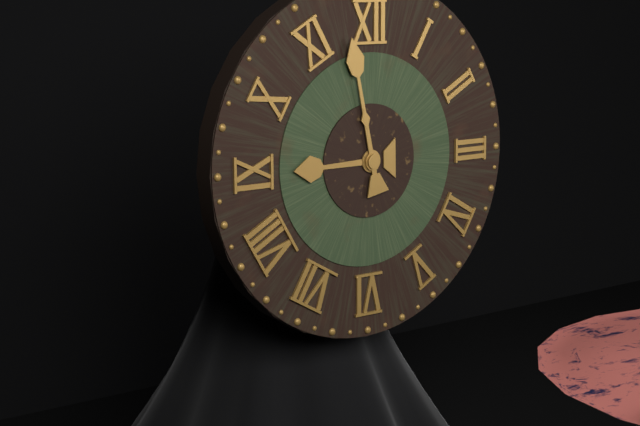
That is 8 h 58 min
